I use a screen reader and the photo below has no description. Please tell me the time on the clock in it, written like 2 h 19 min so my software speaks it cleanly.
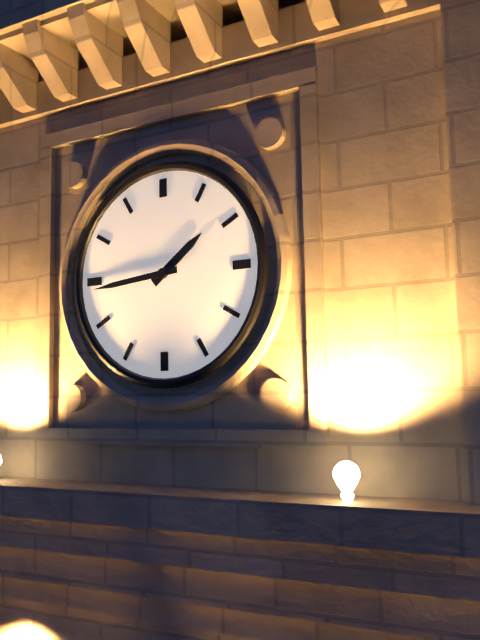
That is 1 h 44 min
